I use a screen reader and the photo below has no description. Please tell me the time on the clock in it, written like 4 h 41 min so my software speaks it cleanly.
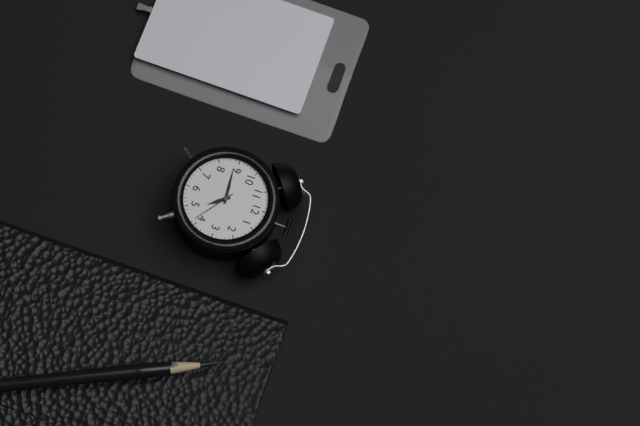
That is 4 h 44 min
